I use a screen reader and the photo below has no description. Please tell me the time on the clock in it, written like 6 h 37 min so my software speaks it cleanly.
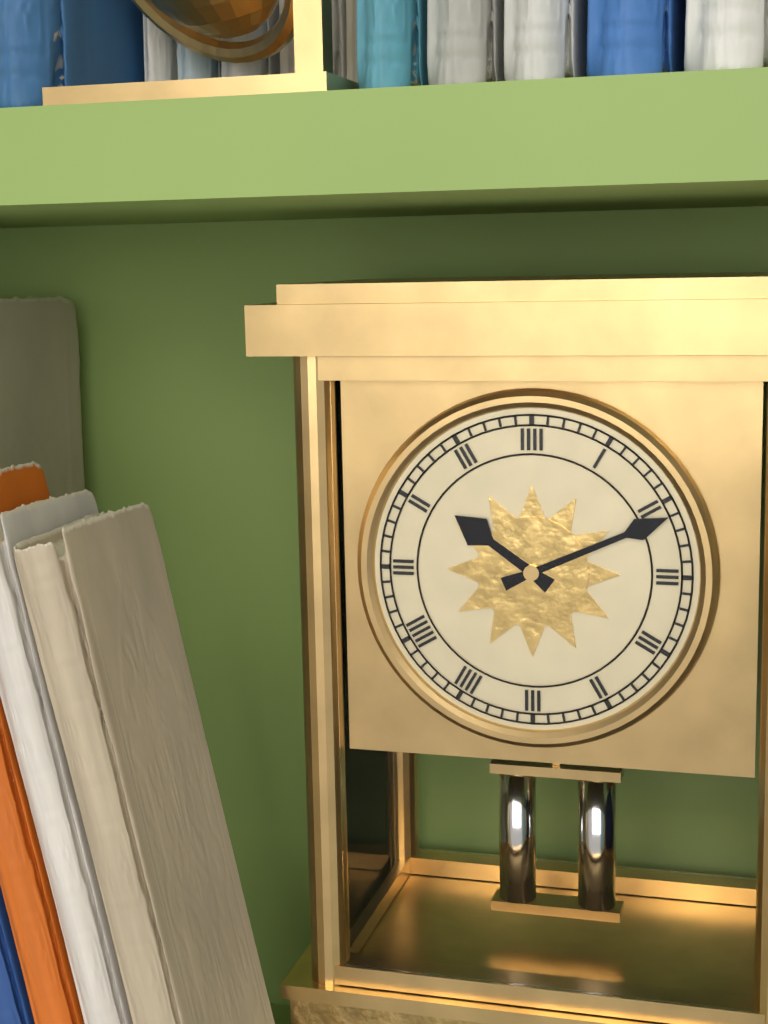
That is 10 h 11 min
